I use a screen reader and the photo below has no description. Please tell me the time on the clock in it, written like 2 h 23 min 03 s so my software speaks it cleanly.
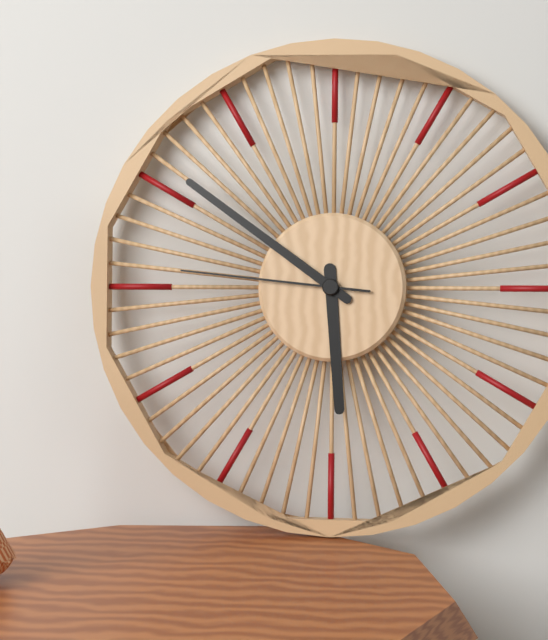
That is 5 h 51 min 46 s
